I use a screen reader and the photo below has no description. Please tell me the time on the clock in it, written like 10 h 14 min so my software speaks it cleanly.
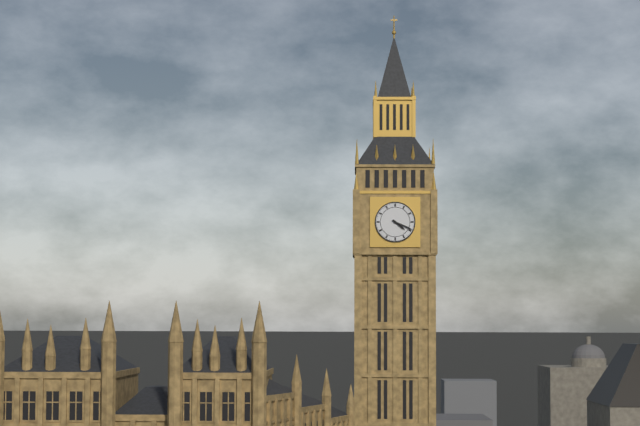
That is 4 h 19 min
